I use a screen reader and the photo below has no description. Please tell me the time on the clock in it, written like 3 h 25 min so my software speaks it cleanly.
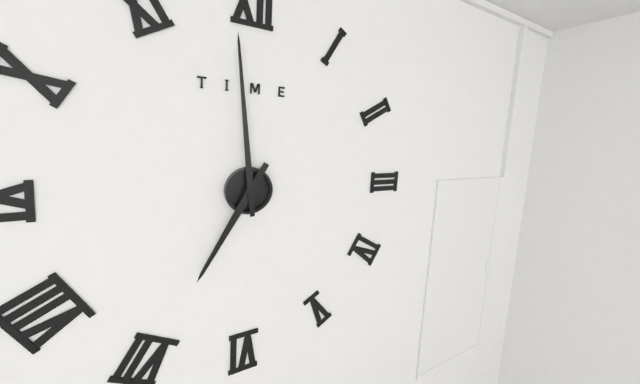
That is 6 h 59 min
